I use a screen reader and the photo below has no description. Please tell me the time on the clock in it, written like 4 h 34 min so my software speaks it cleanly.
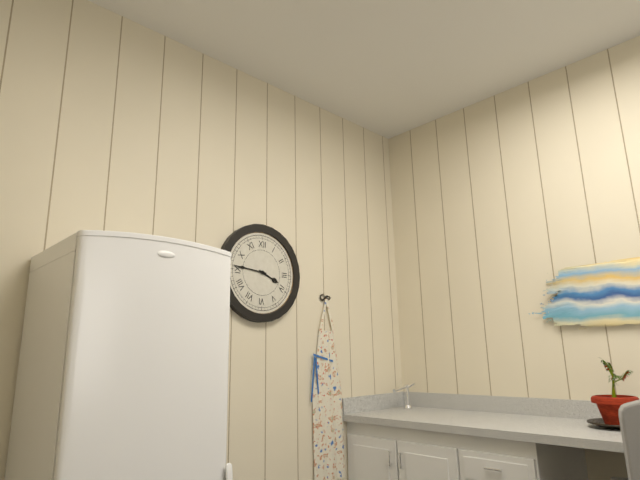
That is 3 h 46 min
